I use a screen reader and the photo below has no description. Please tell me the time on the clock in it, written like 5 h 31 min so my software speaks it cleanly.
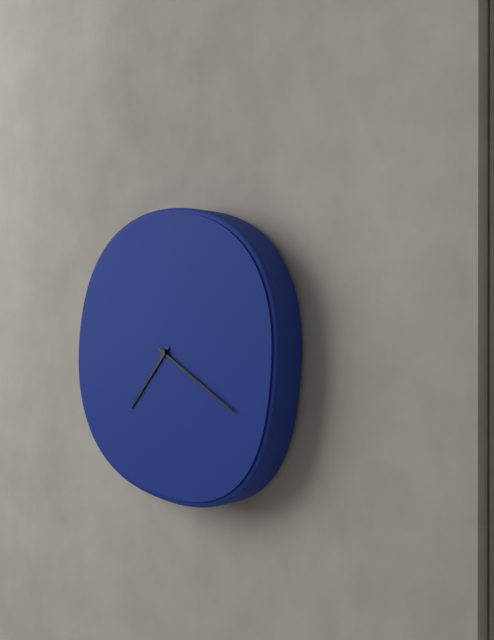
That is 7 h 20 min
